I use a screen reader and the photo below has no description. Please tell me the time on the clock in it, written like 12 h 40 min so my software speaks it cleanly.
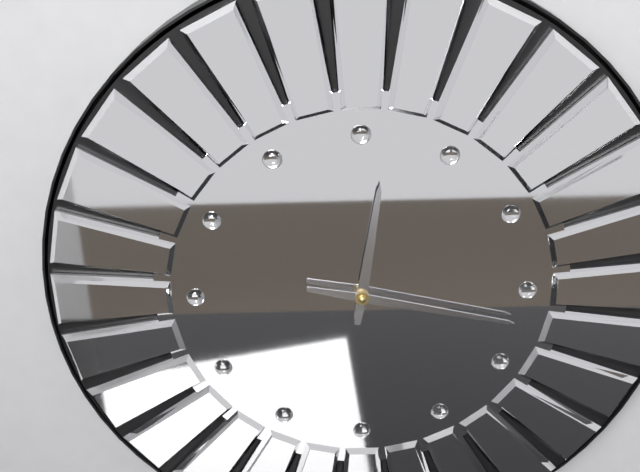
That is 12 h 17 min
